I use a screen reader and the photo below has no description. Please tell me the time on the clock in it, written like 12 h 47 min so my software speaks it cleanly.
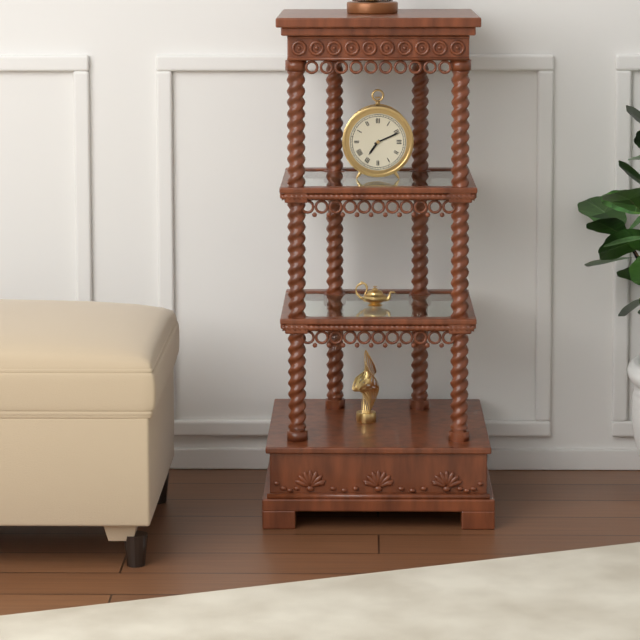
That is 7 h 11 min
